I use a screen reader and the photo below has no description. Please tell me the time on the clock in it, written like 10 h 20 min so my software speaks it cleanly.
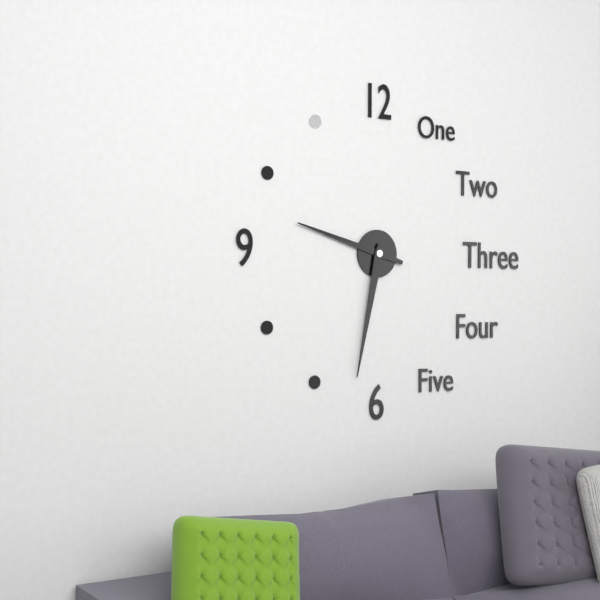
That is 9 h 32 min
